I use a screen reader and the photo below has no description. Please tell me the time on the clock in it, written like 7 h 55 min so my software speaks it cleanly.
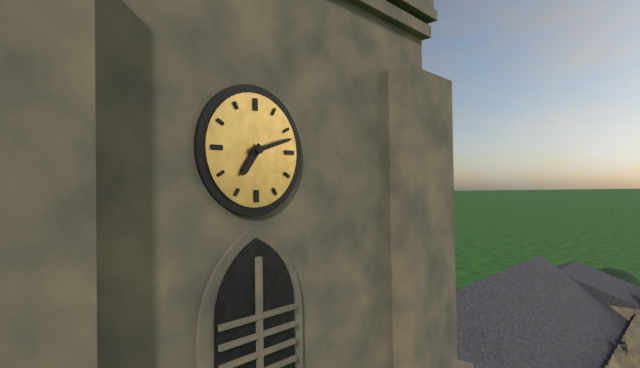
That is 7 h 12 min
